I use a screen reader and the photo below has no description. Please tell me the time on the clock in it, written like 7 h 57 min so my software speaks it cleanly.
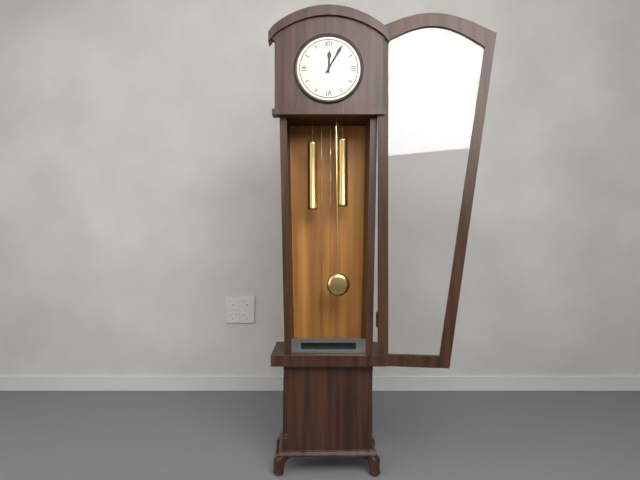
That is 12 h 05 min
